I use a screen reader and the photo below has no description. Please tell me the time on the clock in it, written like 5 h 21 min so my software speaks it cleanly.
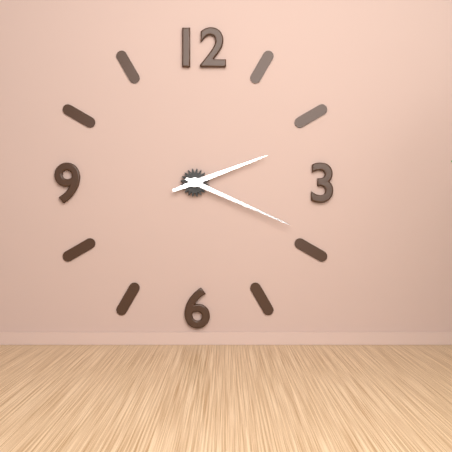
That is 2 h 19 min
